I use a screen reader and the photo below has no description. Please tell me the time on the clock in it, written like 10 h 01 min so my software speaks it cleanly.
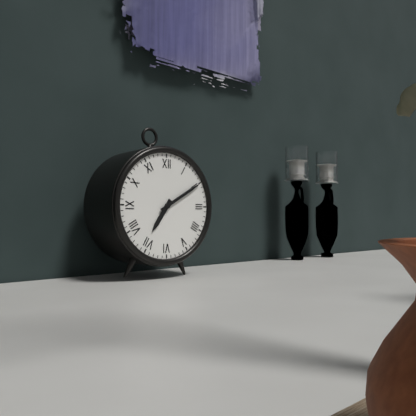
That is 7 h 10 min
